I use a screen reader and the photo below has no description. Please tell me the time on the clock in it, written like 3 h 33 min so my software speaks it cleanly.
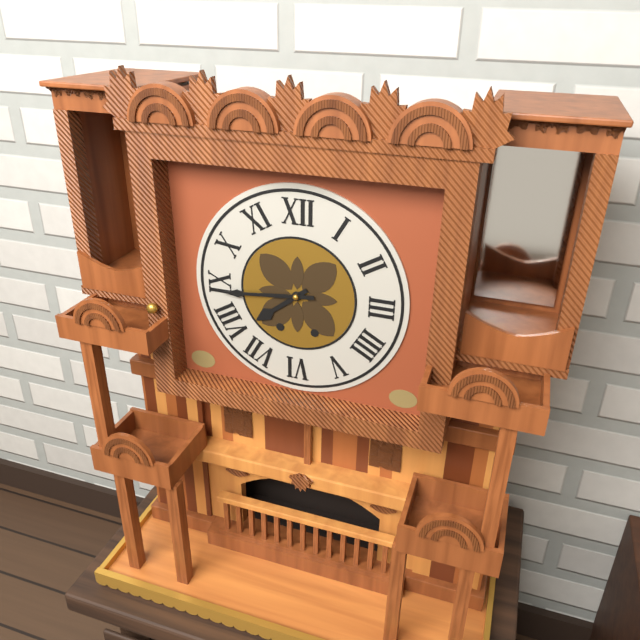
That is 7 h 44 min
